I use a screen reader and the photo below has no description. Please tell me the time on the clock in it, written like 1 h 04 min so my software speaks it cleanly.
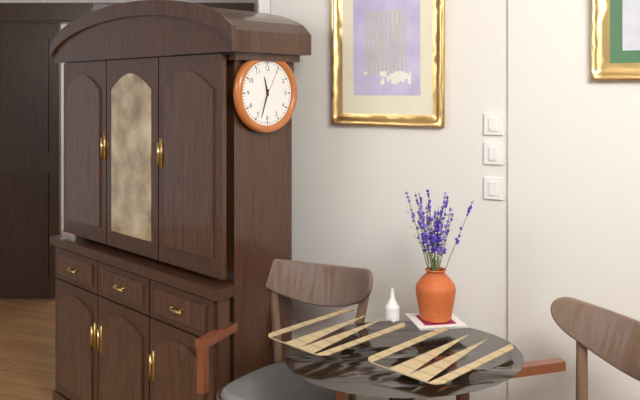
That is 11 h 33 min
